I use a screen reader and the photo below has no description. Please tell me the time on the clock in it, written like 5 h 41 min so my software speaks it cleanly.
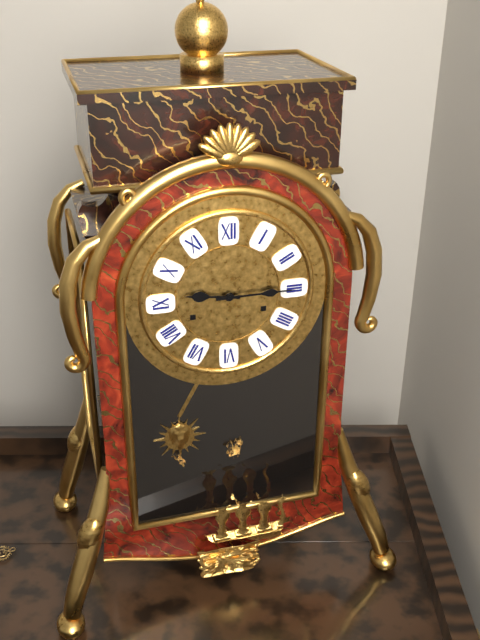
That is 9 h 15 min
